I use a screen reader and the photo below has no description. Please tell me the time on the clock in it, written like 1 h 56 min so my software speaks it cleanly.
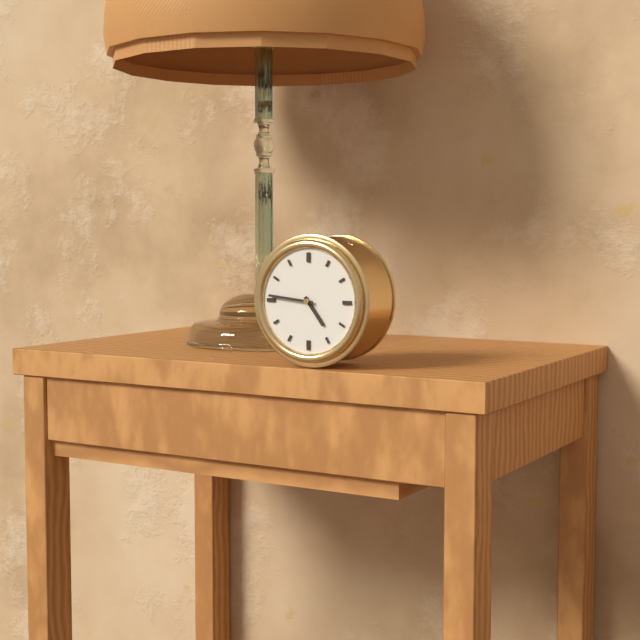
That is 4 h 46 min
